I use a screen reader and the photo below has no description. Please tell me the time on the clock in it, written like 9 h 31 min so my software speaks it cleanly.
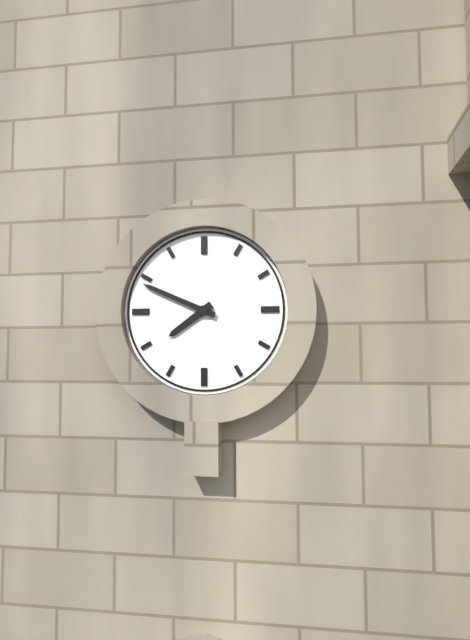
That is 7 h 49 min
